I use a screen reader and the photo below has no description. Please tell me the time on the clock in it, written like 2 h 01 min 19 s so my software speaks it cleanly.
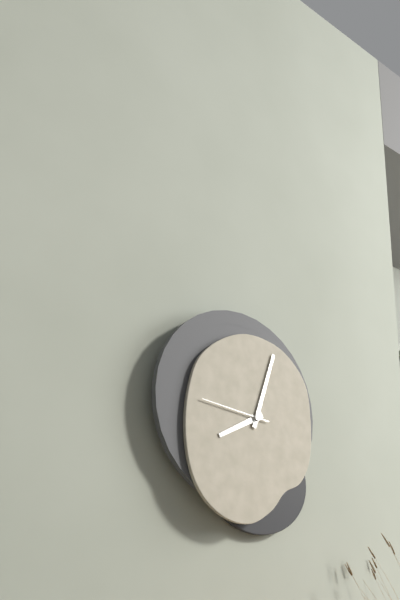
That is 8 h 03 min 46 s
